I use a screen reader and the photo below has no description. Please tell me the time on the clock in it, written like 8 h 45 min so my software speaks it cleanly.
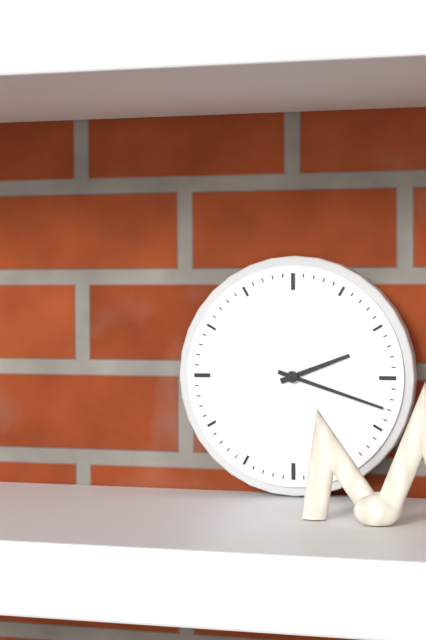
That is 2 h 18 min
